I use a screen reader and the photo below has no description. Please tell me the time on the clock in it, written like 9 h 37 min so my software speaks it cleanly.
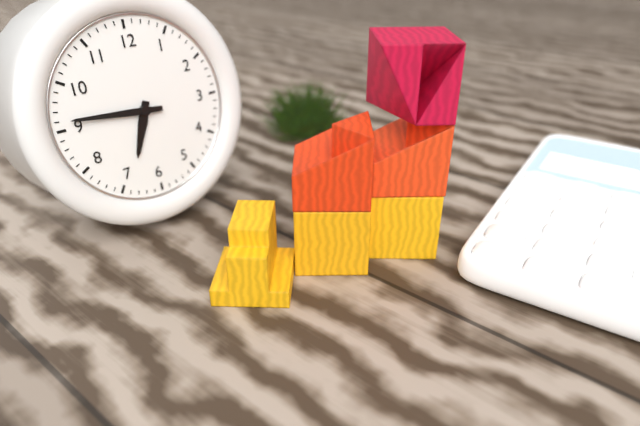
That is 6 h 46 min
